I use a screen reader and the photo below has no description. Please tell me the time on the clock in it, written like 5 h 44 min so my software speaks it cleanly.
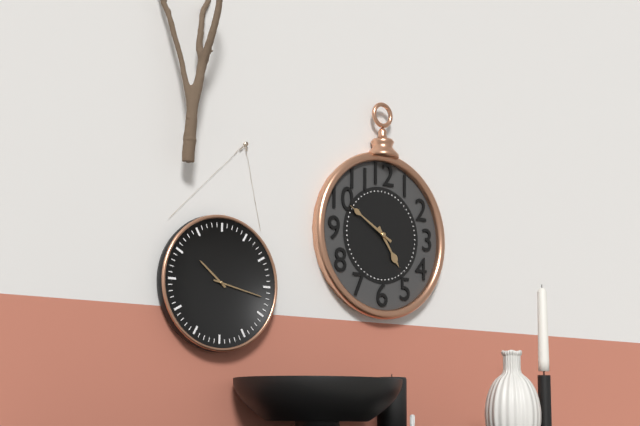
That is 4 h 50 min
